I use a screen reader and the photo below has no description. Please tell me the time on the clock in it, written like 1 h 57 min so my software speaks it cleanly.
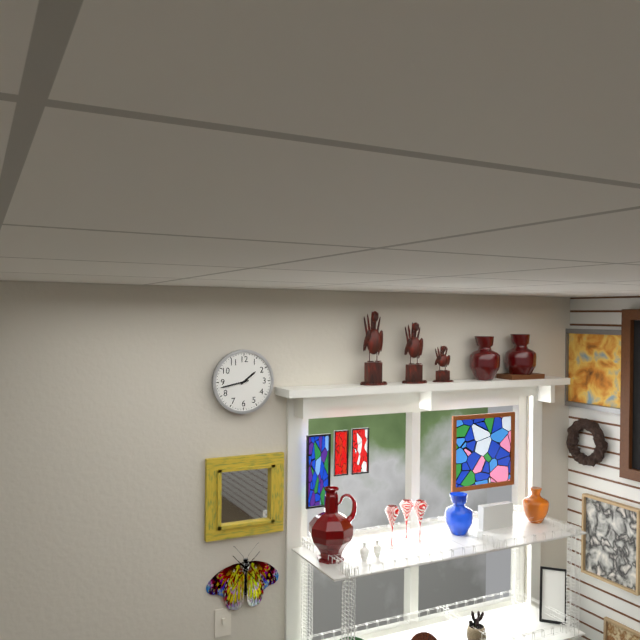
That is 1 h 43 min
